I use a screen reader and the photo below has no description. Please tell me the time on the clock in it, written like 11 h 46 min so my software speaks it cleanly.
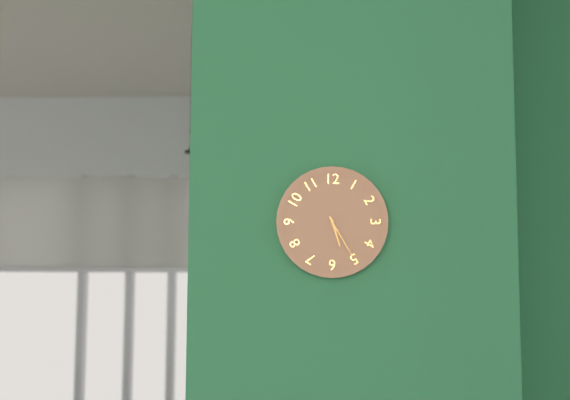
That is 5 h 25 min
